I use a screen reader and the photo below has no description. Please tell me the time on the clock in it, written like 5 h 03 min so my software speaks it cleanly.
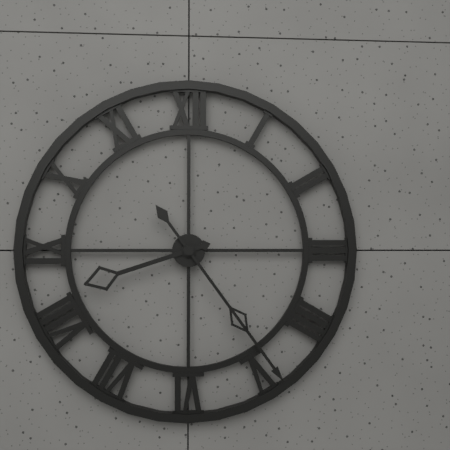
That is 8 h 24 min
